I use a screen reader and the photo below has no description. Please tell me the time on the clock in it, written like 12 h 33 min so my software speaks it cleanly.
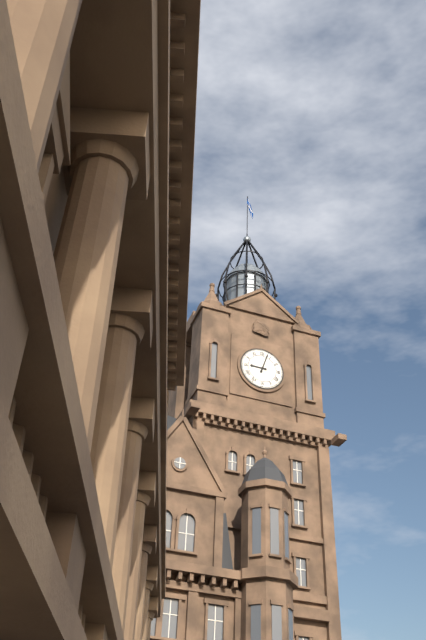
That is 9 h 03 min
